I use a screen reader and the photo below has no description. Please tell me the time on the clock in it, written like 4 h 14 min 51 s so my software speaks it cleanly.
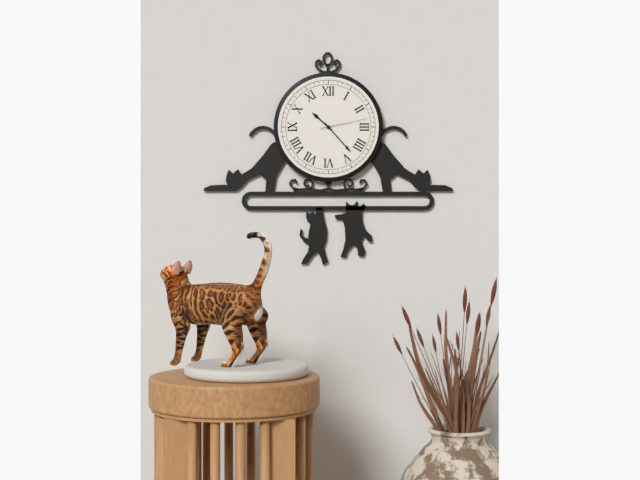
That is 10 h 23 min 13 s
